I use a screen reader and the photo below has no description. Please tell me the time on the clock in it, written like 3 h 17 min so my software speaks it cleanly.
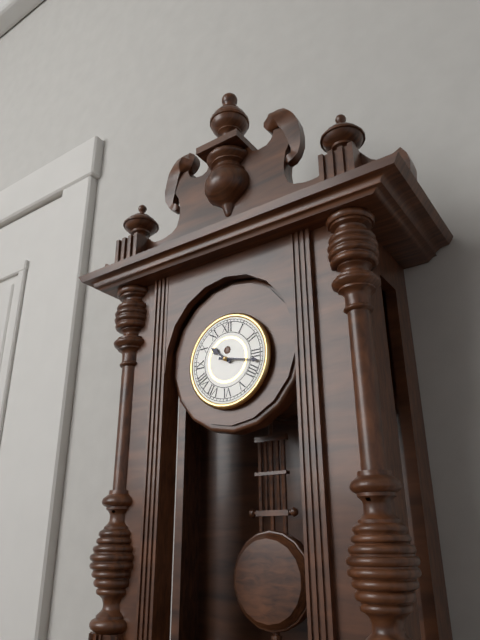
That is 10 h 17 min
